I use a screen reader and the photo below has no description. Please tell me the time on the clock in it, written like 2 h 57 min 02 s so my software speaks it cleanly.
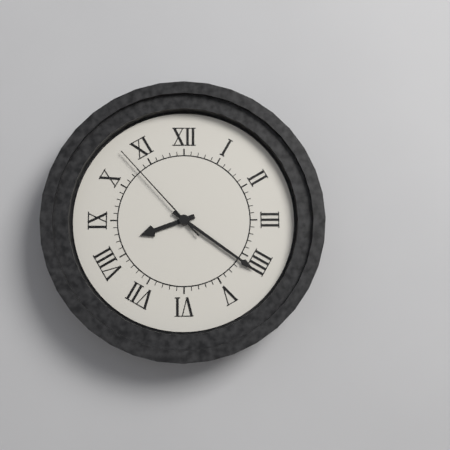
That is 8 h 21 min 53 s
